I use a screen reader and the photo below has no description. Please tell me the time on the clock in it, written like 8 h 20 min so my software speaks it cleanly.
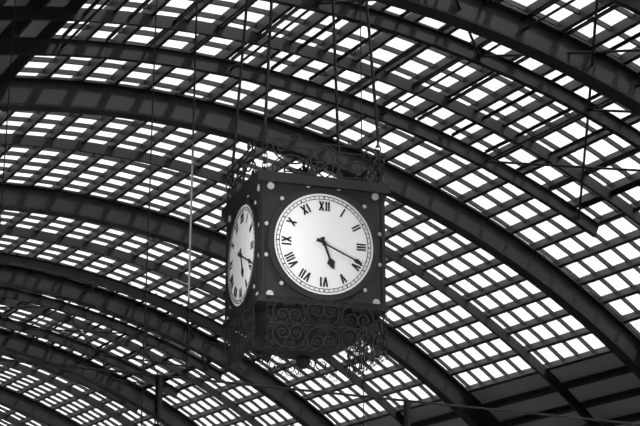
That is 5 h 19 min
